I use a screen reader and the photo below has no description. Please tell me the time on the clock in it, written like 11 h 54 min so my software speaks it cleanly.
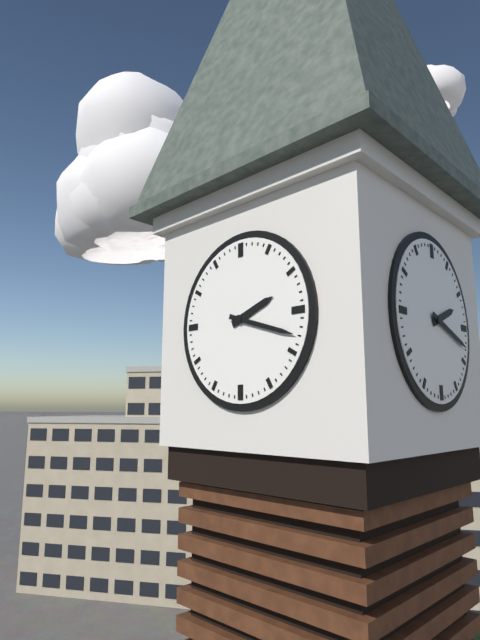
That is 2 h 18 min
